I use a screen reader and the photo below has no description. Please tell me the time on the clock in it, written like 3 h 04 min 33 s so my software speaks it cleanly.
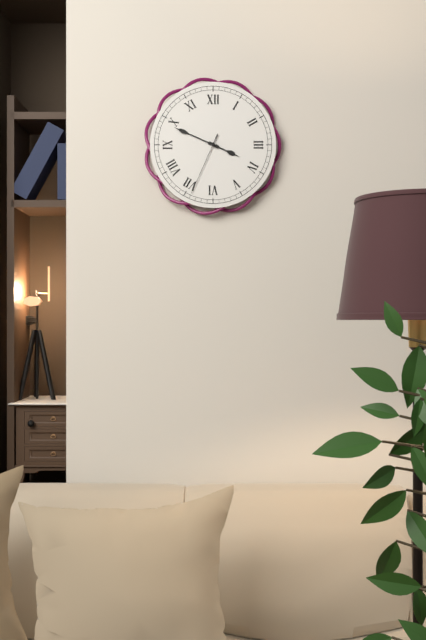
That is 3 h 49 min 34 s
